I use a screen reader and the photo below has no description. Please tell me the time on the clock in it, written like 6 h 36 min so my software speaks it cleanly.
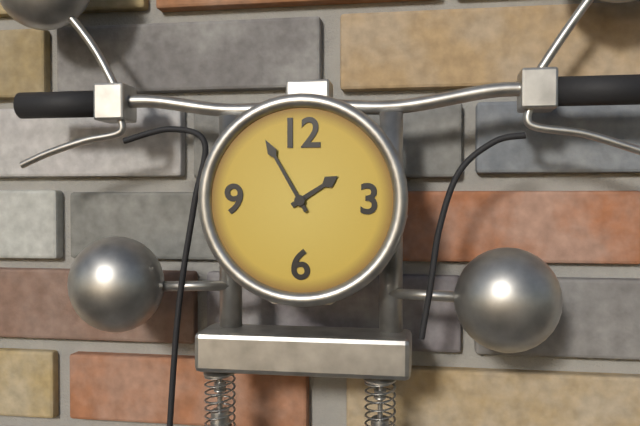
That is 1 h 55 min
